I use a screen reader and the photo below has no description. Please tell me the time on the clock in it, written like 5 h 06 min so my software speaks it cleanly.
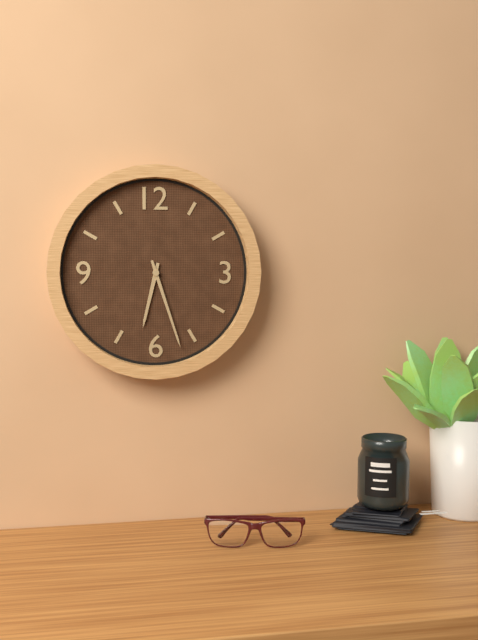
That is 6 h 27 min
